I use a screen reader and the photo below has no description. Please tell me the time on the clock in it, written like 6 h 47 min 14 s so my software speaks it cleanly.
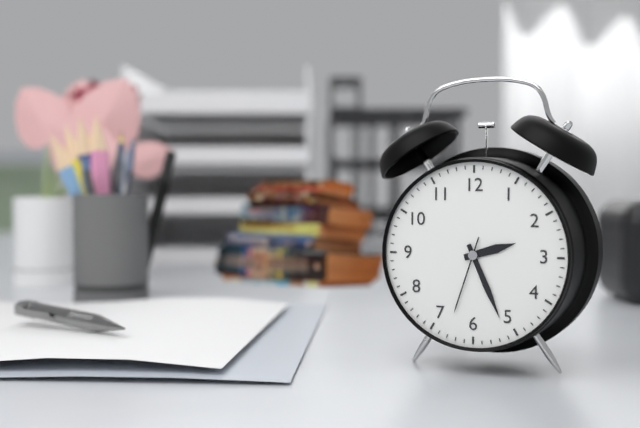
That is 2 h 26 min 33 s
